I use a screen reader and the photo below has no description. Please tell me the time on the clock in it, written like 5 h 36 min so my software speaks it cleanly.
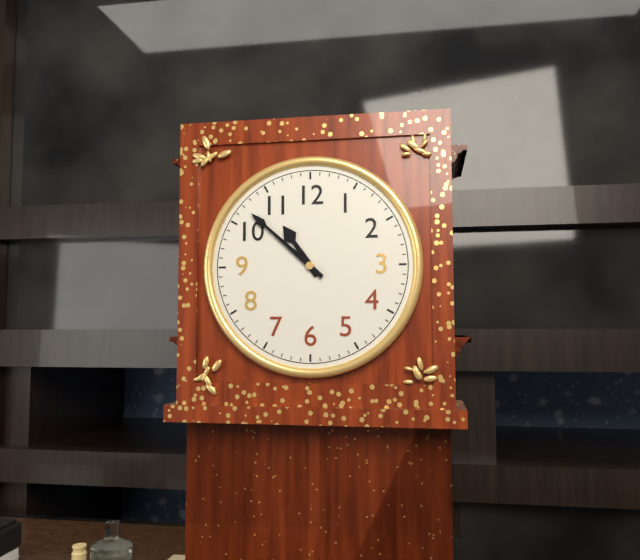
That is 10 h 52 min
